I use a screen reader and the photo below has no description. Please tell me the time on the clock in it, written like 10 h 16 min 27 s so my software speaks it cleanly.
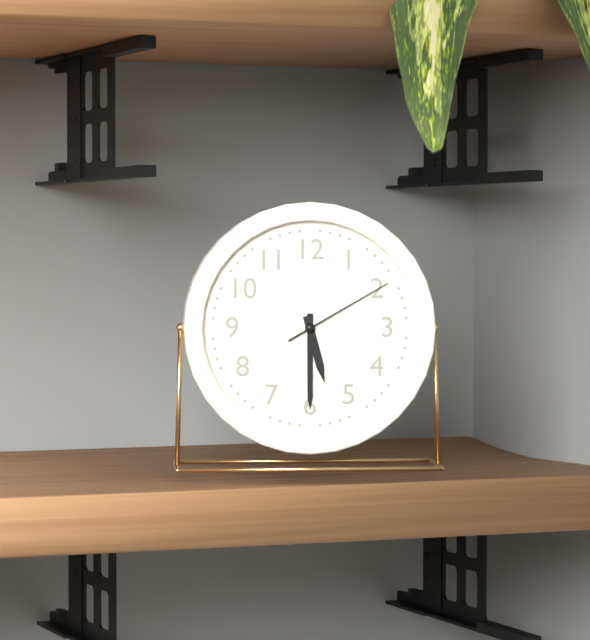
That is 5 h 30 min 10 s
